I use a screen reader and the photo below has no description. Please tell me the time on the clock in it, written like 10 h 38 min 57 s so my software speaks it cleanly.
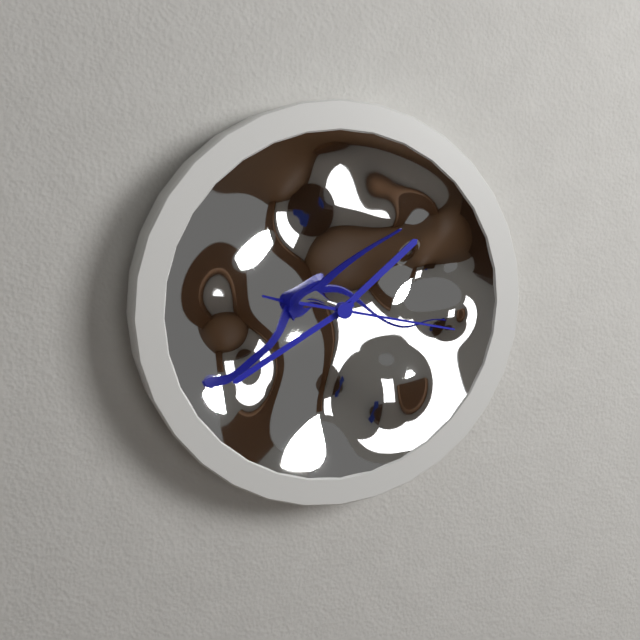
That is 1 h 40 min 17 s
